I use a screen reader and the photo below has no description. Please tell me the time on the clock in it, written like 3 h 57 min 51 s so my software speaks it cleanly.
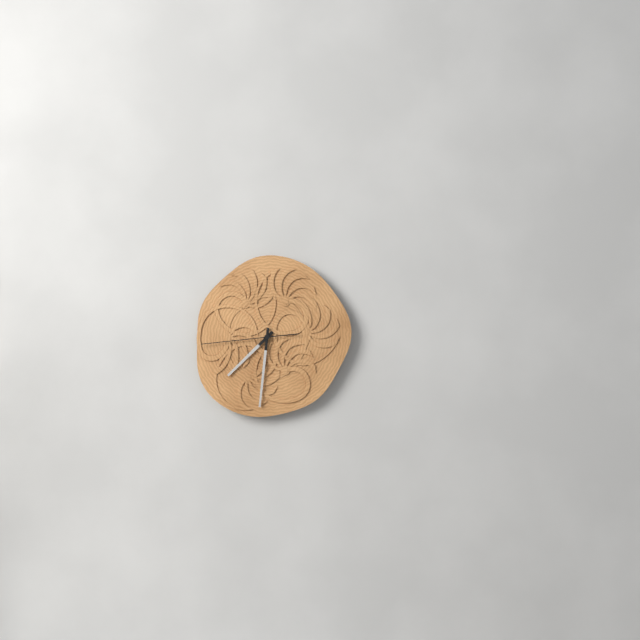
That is 7 h 31 min 44 s
